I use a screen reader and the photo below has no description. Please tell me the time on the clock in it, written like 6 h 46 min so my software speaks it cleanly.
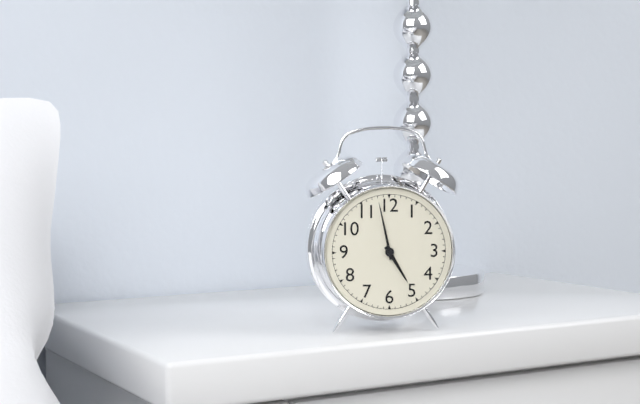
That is 4 h 58 min
